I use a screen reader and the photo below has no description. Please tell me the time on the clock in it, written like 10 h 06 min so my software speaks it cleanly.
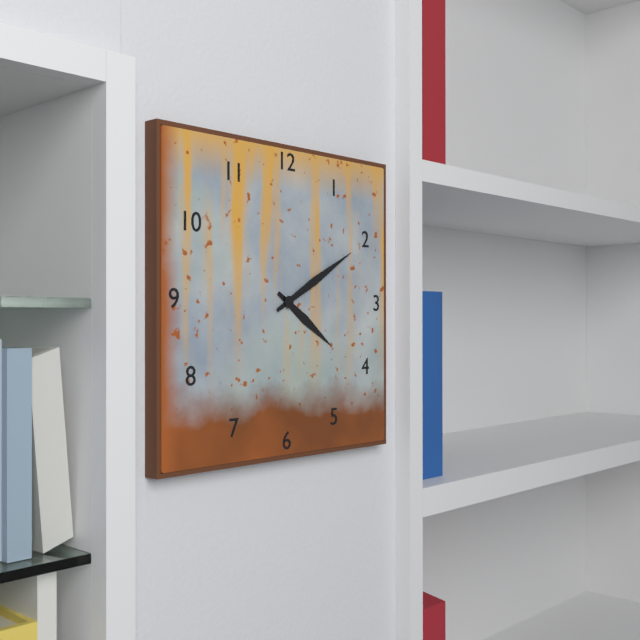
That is 4 h 10 min
